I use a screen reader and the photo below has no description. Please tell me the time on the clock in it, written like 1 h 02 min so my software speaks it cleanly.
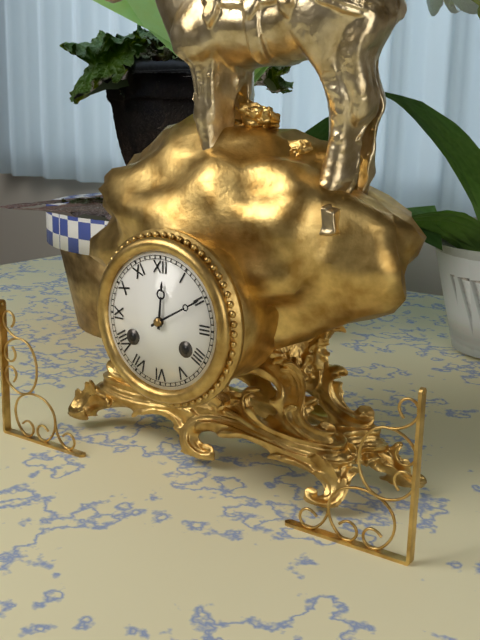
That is 12 h 10 min
